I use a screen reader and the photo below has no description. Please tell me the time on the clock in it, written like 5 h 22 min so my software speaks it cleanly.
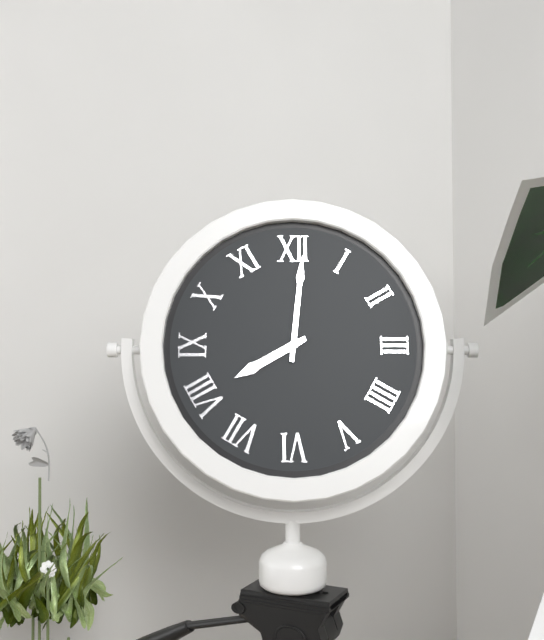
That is 8 h 01 min
